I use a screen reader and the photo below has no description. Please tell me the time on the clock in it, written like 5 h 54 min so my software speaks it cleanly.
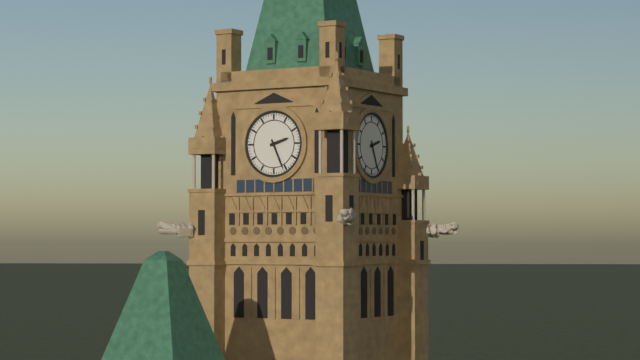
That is 2 h 26 min
